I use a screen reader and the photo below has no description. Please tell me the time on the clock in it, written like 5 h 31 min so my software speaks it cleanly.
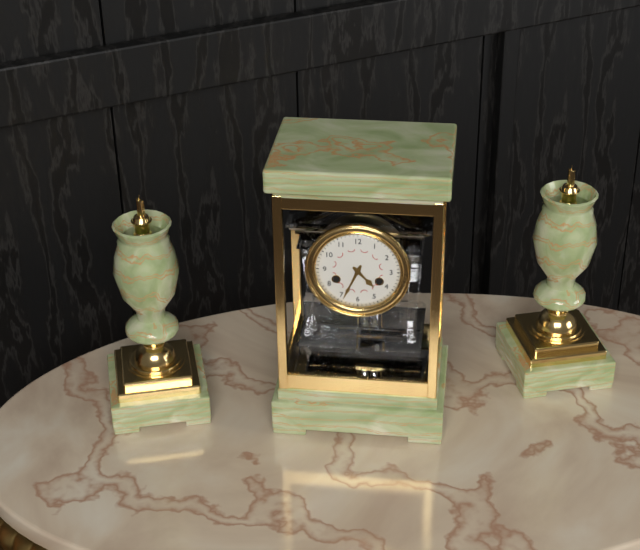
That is 4 h 34 min
